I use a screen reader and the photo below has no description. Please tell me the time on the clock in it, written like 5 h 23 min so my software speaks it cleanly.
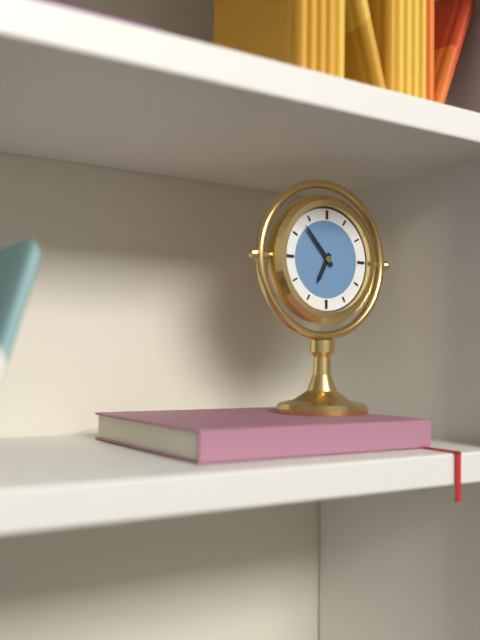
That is 6 h 53 min
